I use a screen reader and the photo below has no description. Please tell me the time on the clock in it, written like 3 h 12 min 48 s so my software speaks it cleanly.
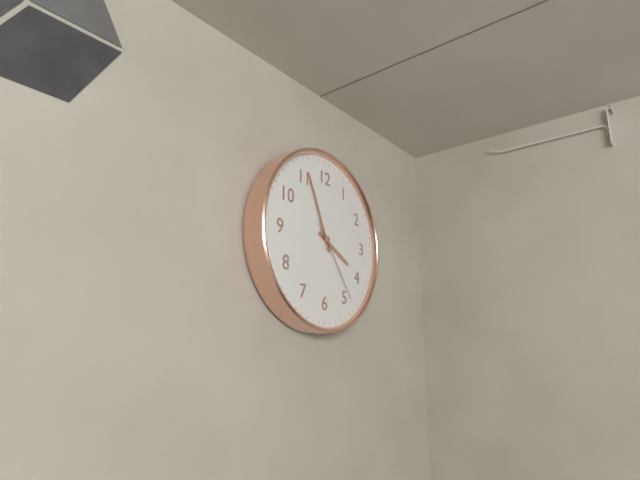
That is 3 h 56 min 24 s
